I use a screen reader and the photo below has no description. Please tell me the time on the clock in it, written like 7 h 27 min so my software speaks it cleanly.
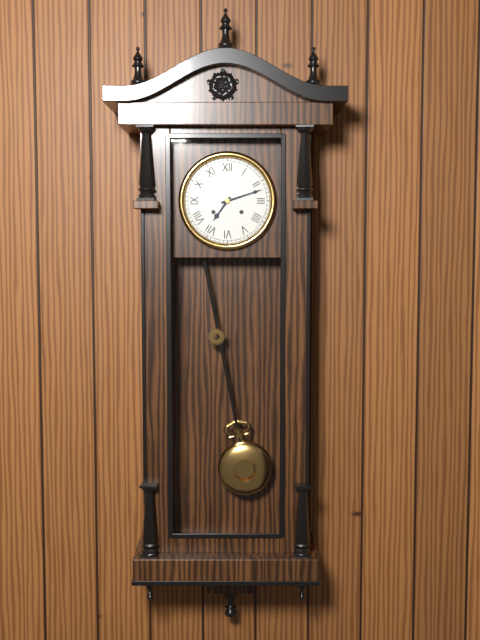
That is 7 h 12 min
